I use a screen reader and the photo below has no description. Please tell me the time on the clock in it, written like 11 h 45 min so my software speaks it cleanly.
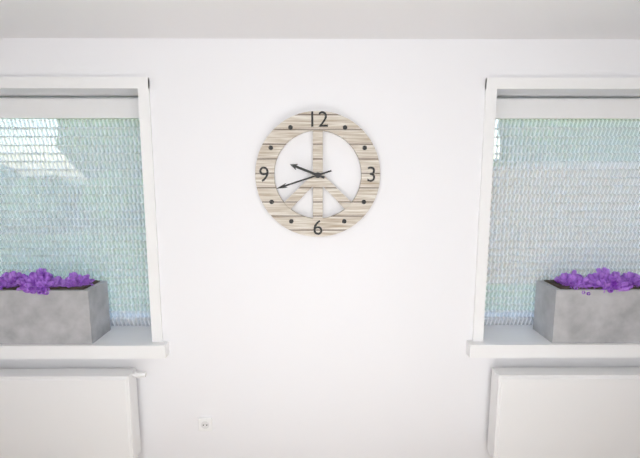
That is 9 h 42 min
